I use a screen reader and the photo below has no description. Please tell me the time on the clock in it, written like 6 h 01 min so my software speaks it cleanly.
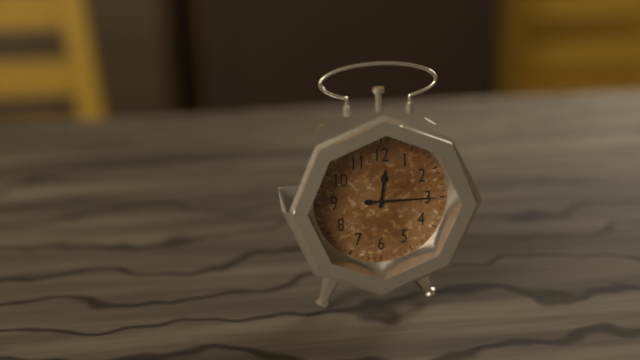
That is 12 h 15 min
